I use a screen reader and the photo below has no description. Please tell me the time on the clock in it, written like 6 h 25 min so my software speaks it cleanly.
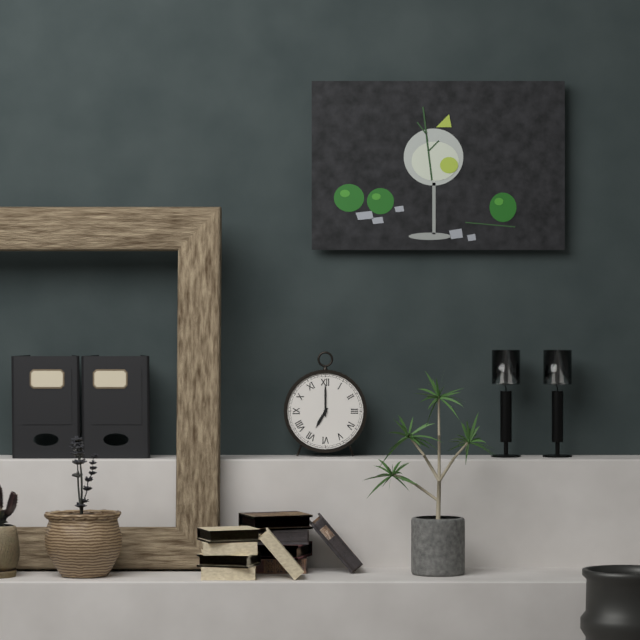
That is 7 h 00 min
